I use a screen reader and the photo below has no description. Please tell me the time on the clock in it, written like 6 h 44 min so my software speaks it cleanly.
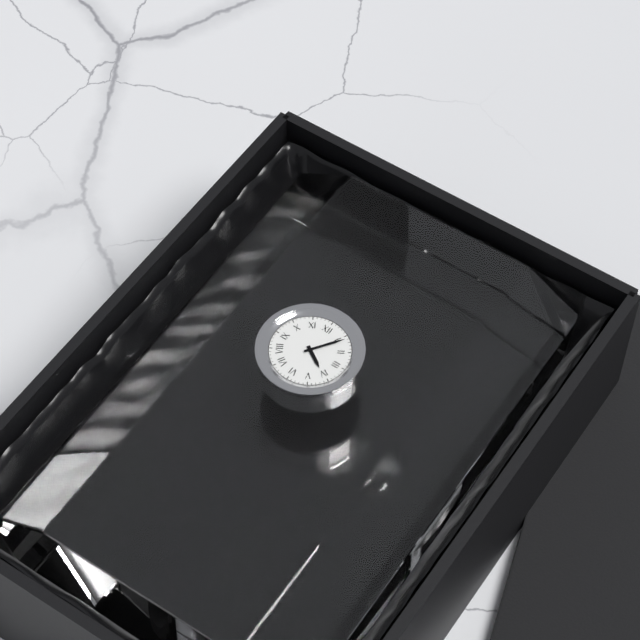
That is 4 h 06 min
